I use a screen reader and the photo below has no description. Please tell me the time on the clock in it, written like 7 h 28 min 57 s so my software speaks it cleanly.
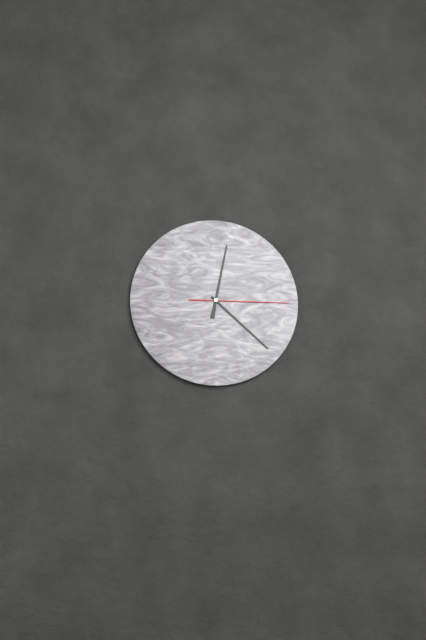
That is 12 h 22 min 15 s
